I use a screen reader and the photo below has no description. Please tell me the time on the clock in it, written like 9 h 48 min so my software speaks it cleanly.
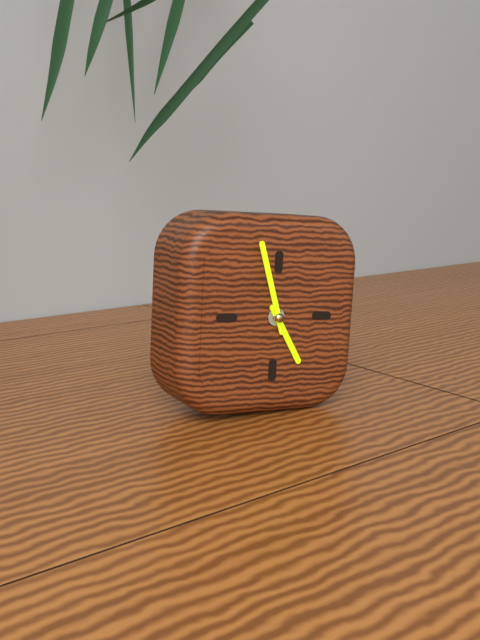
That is 4 h 57 min
